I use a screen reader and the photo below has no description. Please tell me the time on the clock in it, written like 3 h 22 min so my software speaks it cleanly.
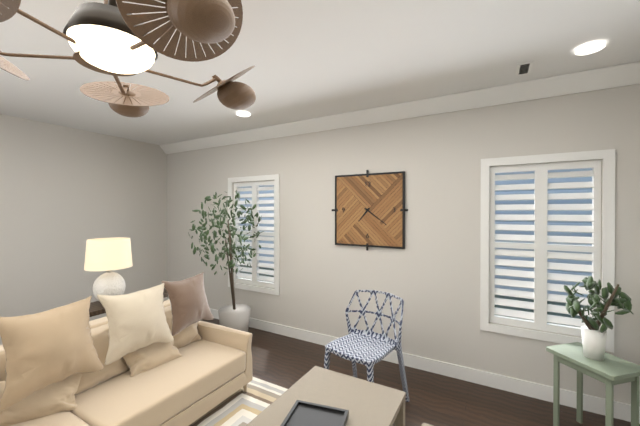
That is 7 h 21 min
